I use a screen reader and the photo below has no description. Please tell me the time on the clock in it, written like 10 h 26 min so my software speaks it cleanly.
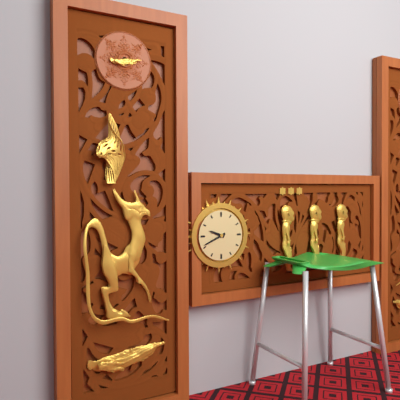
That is 9 h 41 min
